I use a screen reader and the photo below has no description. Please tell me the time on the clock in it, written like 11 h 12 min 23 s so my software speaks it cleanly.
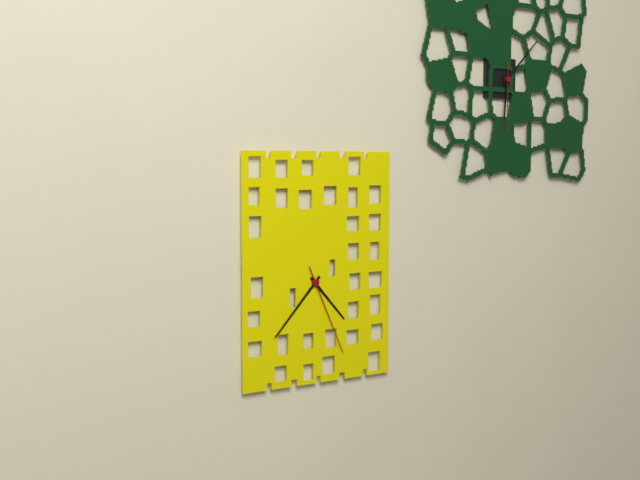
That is 4 h 37 min 26 s
